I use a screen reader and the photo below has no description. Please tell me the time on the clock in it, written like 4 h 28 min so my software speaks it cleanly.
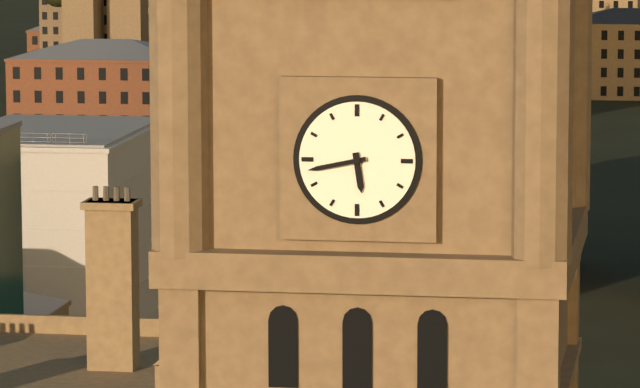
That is 5 h 43 min
